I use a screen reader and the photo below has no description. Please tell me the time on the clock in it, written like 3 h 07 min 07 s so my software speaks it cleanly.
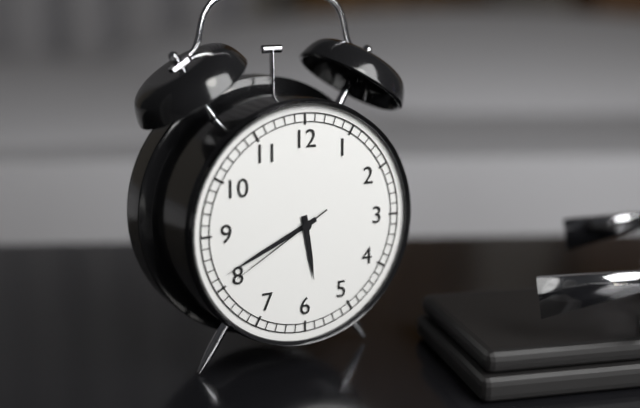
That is 5 h 41 min 40 s
